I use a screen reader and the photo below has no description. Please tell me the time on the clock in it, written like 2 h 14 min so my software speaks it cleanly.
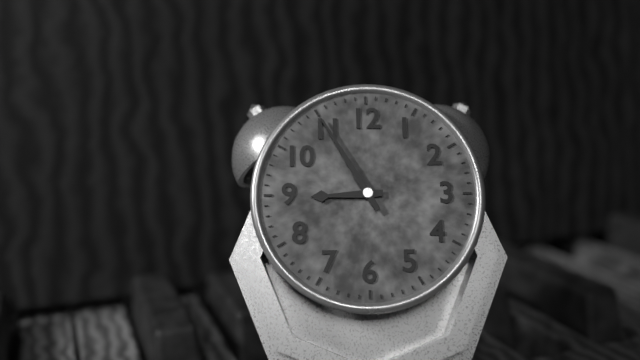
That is 8 h 55 min
